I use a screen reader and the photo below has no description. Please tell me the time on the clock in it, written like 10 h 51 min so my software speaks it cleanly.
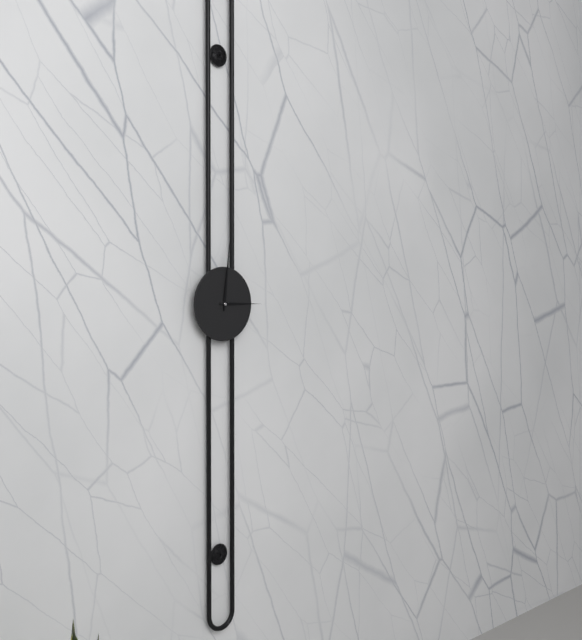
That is 3 h 01 min
